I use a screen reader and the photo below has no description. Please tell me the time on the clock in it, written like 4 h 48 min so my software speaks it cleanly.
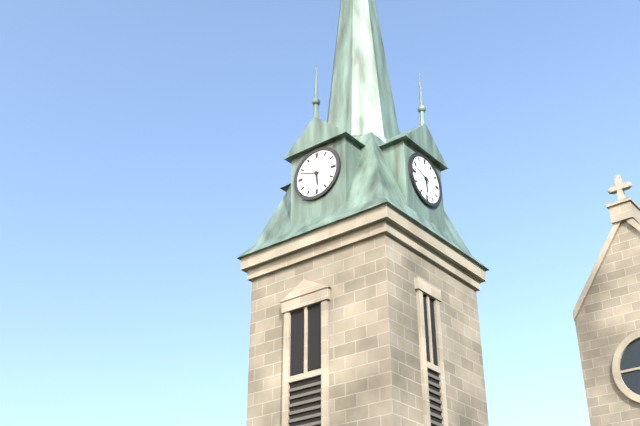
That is 5 h 48 min
